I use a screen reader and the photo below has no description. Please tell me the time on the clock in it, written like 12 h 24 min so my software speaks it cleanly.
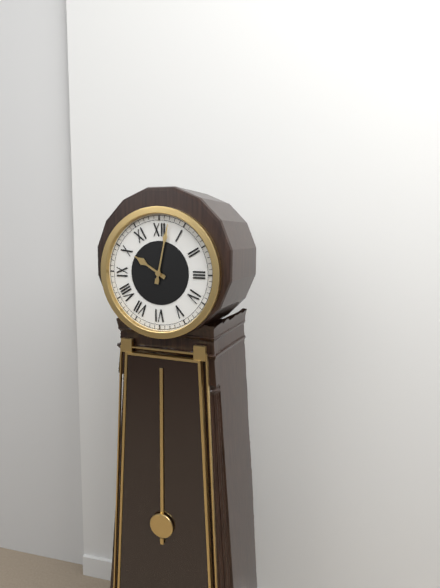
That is 10 h 02 min
